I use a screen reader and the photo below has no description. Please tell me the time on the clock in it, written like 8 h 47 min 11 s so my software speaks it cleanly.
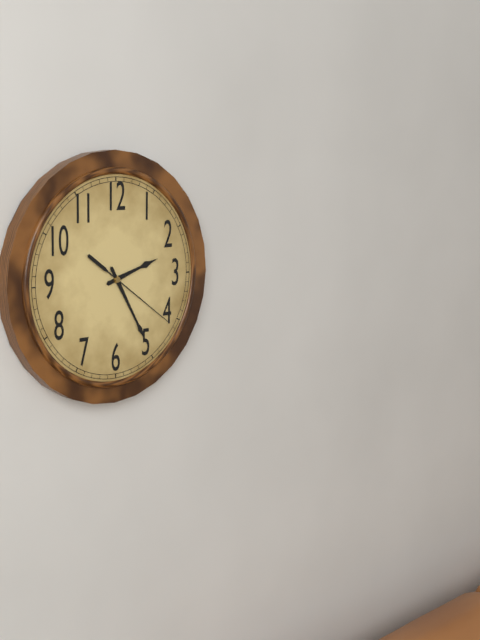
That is 2 h 25 min 21 s
